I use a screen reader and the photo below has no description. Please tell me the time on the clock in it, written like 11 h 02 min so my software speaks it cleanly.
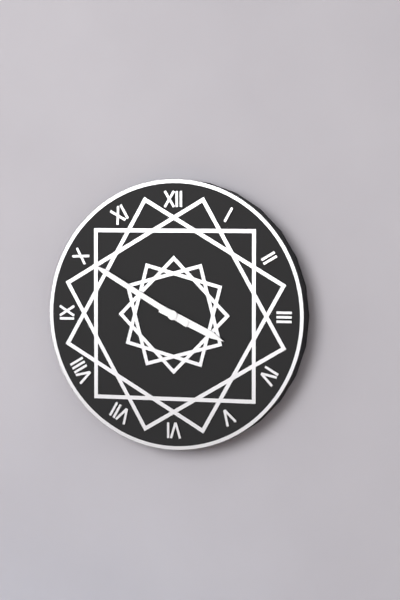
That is 3 h 50 min
